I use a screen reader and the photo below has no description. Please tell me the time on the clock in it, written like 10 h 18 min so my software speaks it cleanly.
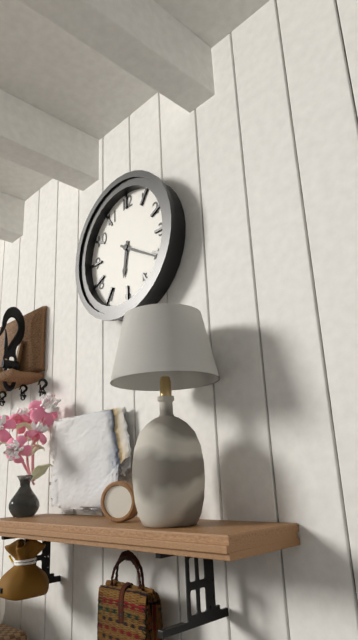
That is 6 h 20 min
